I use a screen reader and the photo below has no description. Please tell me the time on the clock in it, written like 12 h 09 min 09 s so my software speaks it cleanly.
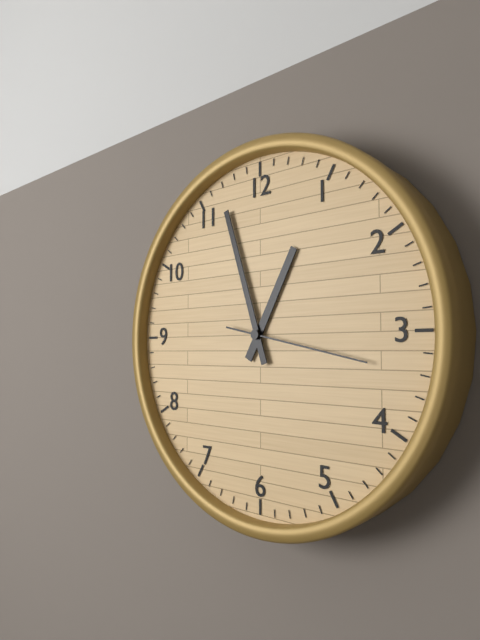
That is 12 h 57 min 17 s
